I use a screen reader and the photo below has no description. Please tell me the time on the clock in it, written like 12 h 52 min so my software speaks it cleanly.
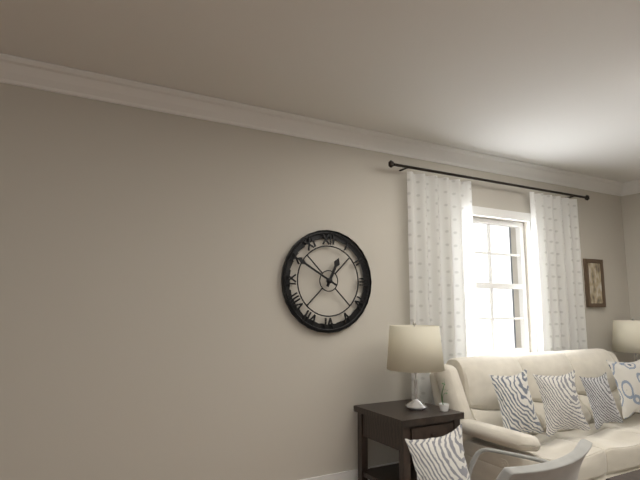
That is 12 h 50 min
